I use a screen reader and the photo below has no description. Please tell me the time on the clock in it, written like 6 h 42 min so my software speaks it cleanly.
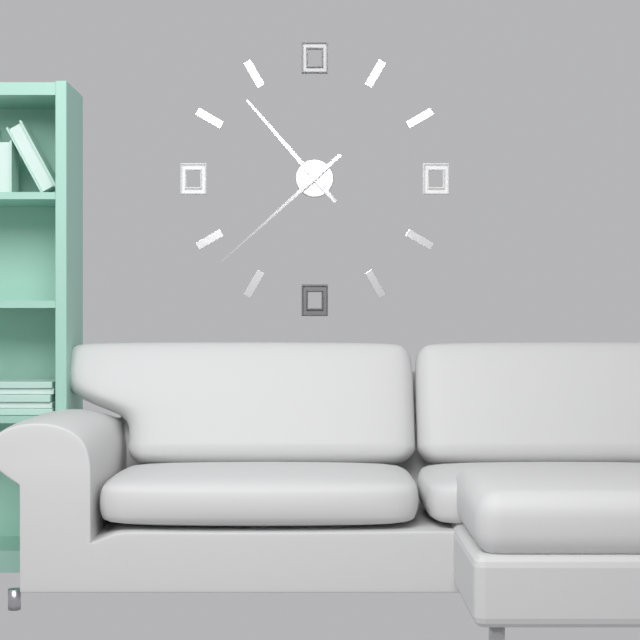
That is 10 h 38 min
